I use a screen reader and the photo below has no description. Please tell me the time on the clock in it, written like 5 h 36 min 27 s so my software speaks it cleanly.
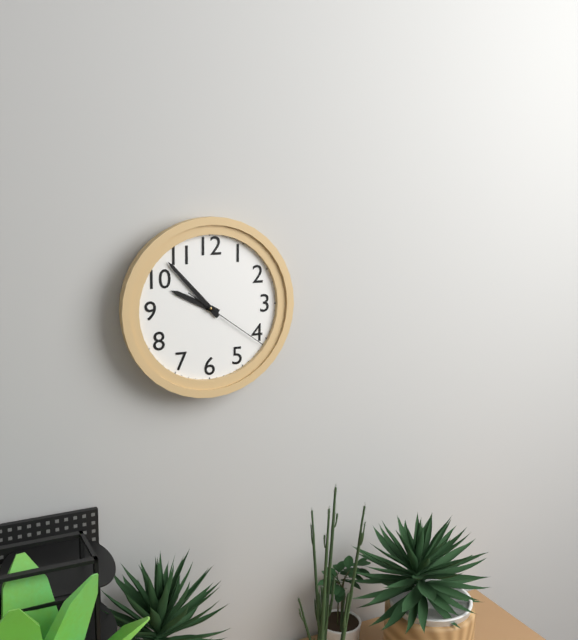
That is 9 h 53 min 21 s
